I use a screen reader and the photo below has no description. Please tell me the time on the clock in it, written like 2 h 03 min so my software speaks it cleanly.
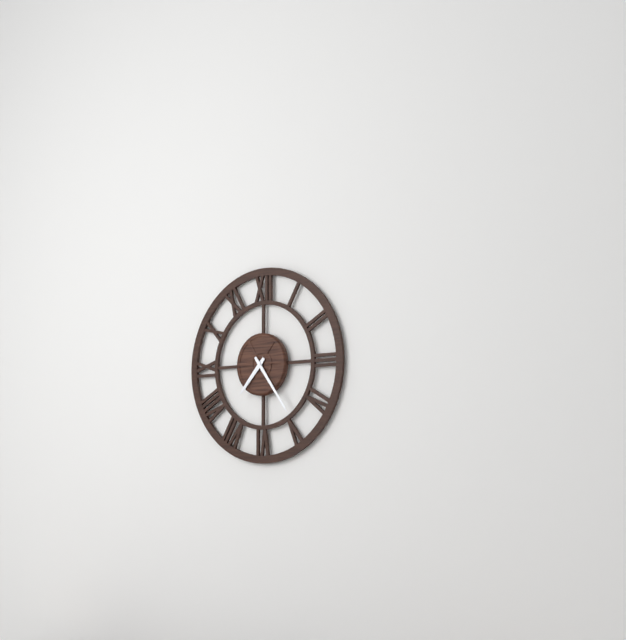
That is 7 h 24 min
